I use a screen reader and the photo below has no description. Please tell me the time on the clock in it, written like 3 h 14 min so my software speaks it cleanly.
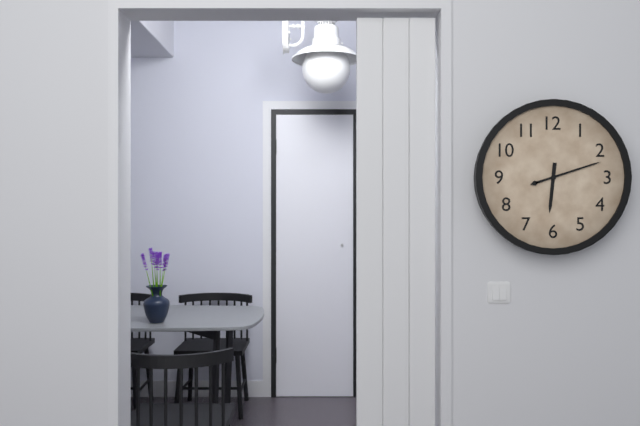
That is 6 h 12 min
